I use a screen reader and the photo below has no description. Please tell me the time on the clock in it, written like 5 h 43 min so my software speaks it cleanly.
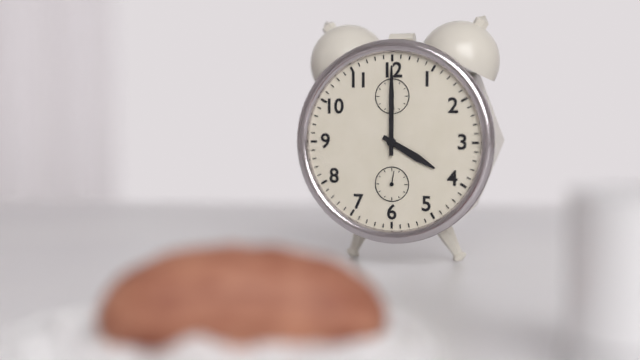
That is 4 h 00 min
